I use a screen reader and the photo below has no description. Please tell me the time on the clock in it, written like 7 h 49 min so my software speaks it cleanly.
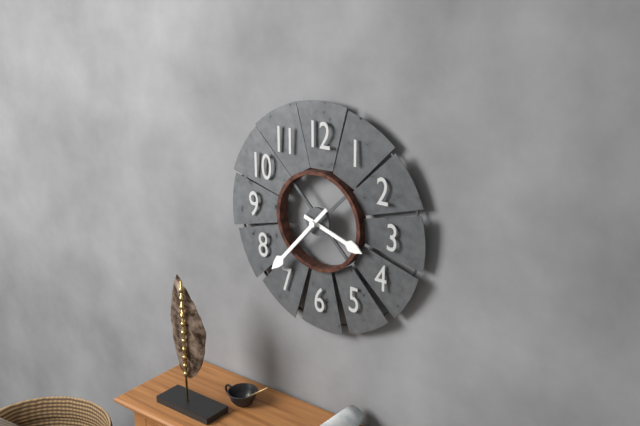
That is 3 h 37 min
